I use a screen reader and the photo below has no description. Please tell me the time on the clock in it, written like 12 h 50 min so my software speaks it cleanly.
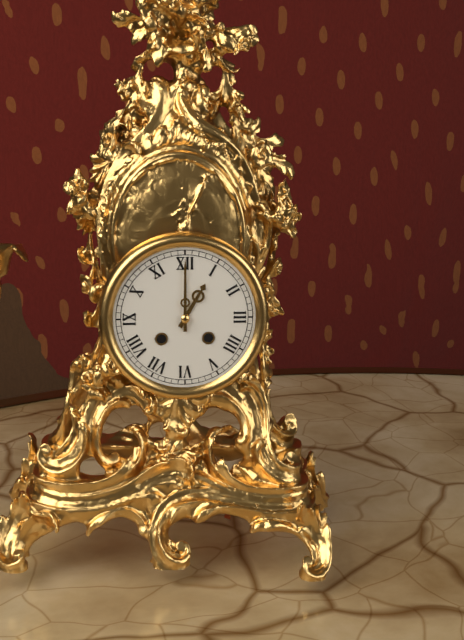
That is 1 h 00 min
